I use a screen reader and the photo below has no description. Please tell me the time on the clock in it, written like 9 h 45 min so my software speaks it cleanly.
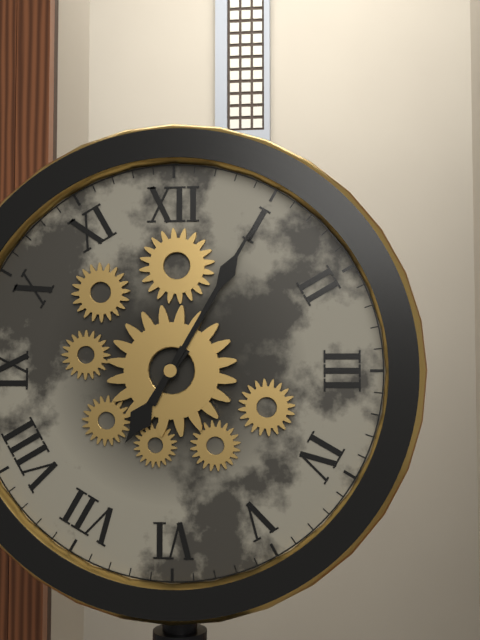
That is 7 h 05 min
